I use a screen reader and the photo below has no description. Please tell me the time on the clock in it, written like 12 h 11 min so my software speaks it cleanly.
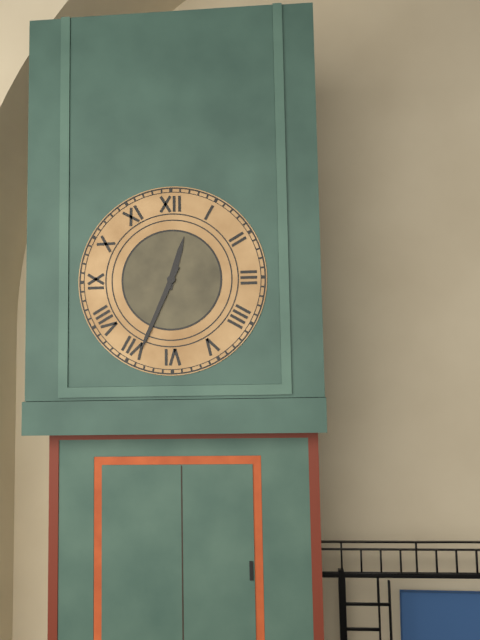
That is 12 h 34 min
